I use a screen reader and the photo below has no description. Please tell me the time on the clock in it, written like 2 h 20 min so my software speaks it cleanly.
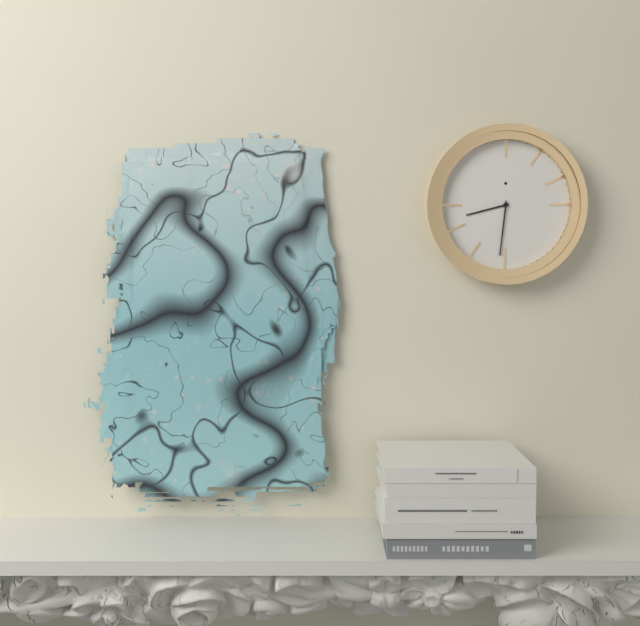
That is 8 h 31 min
